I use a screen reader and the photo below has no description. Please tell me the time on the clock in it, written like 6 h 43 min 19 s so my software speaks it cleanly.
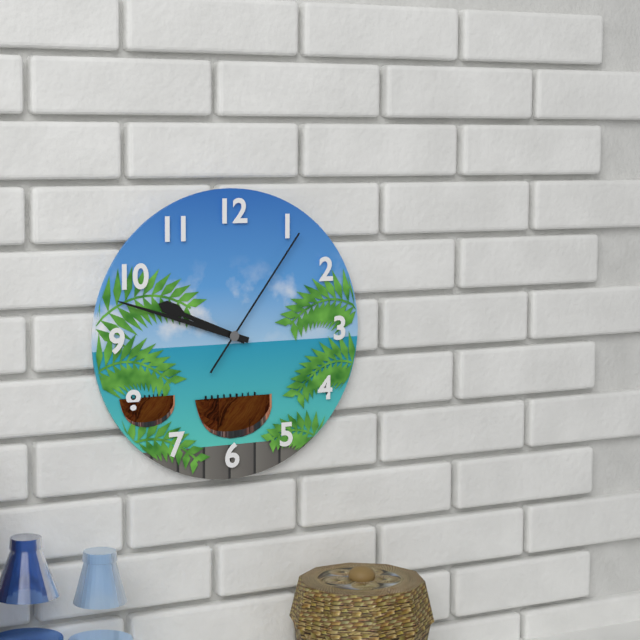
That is 9 h 48 min 06 s
